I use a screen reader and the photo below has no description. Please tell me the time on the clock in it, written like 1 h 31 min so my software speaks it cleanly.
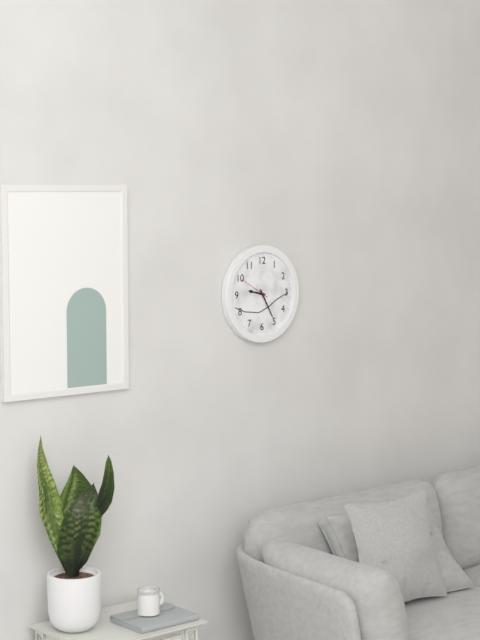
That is 9 h 25 min
